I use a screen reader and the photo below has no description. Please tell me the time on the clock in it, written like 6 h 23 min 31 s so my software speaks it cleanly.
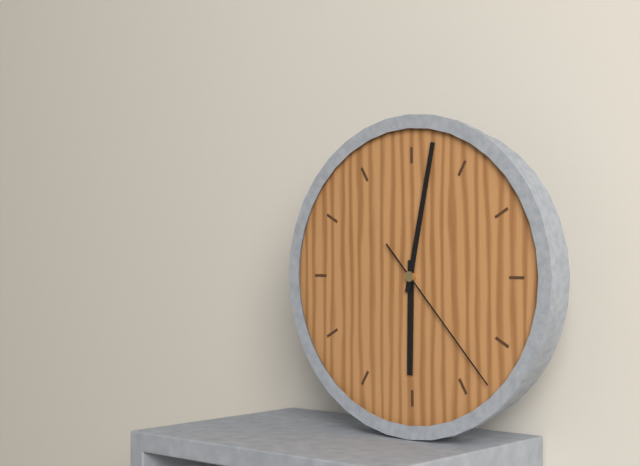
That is 6 h 02 min 23 s
